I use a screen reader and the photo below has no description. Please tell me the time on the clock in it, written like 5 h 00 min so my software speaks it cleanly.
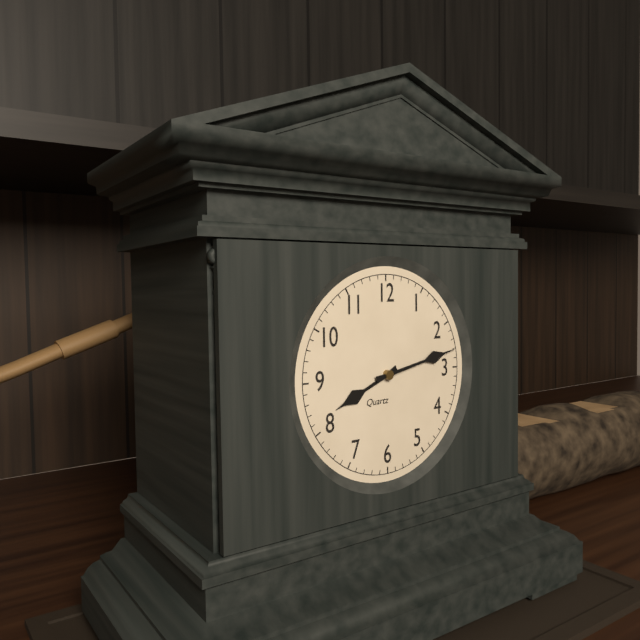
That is 8 h 13 min
